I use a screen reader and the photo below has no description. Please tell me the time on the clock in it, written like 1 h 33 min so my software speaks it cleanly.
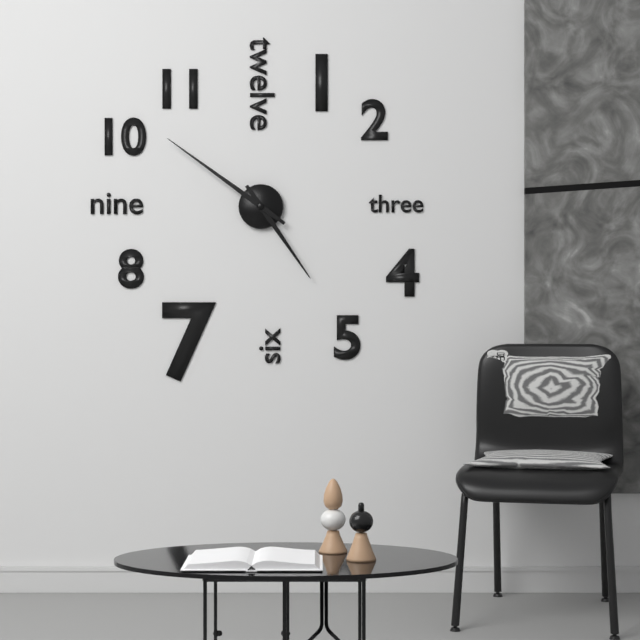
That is 4 h 51 min
